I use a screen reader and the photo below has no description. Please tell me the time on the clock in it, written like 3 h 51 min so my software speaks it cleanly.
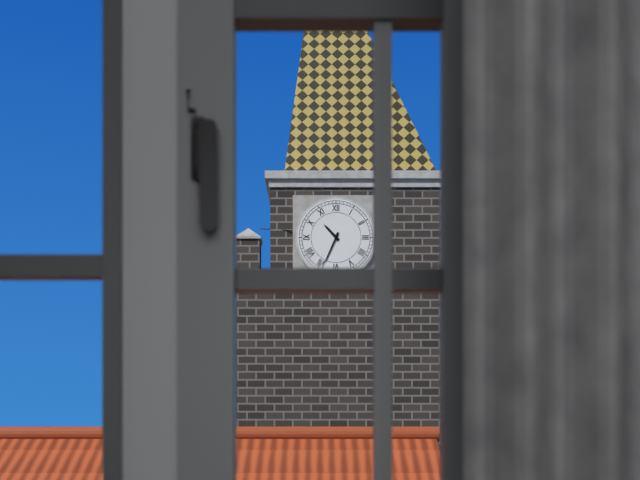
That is 10 h 34 min
